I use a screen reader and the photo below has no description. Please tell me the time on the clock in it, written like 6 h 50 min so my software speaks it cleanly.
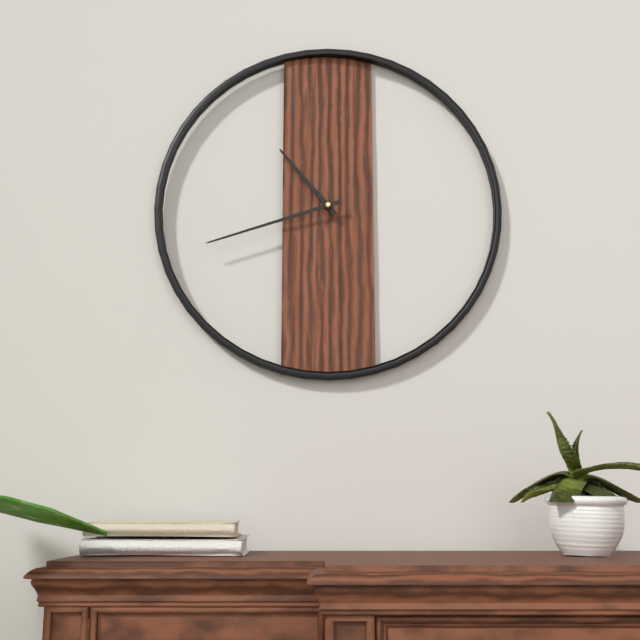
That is 10 h 42 min
